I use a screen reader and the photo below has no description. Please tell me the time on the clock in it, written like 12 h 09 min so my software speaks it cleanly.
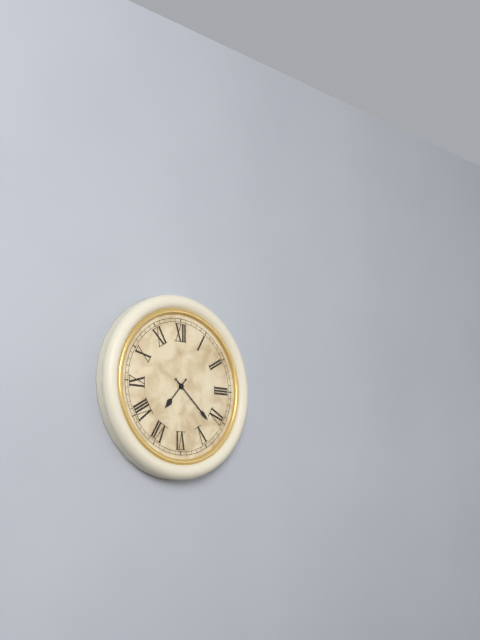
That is 7 h 22 min
